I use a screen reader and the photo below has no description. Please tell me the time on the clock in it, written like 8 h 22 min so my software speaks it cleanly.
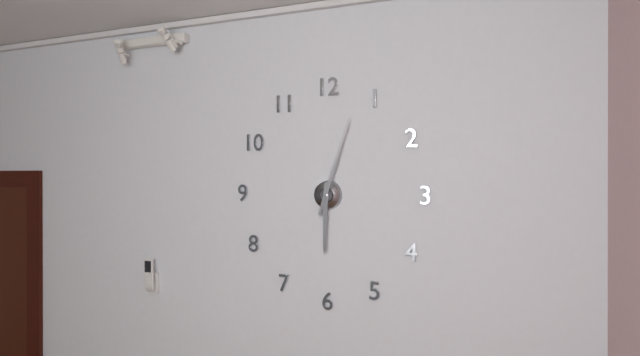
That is 6 h 03 min
